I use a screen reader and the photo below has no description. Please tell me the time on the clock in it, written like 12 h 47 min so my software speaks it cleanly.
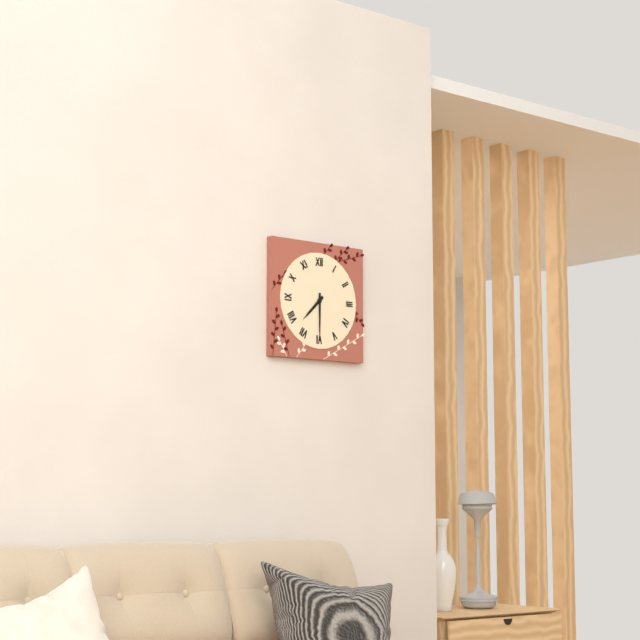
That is 7 h 30 min
